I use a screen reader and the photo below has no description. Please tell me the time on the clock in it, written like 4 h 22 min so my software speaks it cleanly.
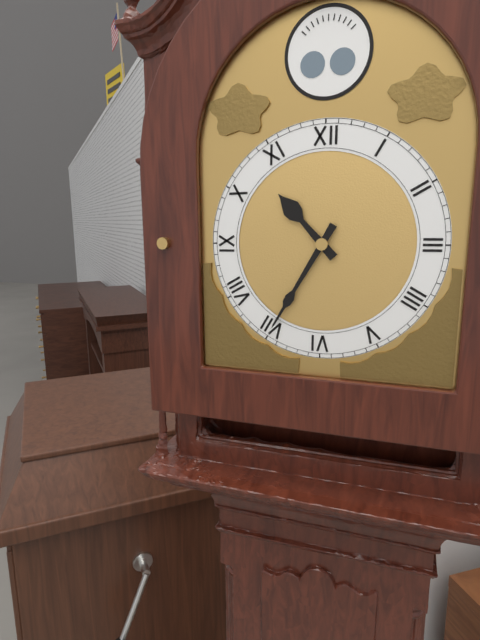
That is 10 h 35 min
